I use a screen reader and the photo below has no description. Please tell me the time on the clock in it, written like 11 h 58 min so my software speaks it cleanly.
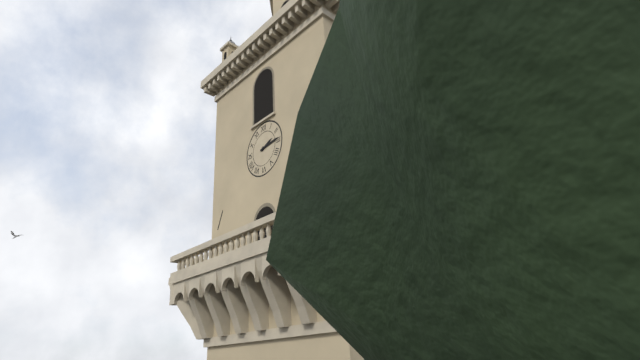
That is 2 h 14 min
